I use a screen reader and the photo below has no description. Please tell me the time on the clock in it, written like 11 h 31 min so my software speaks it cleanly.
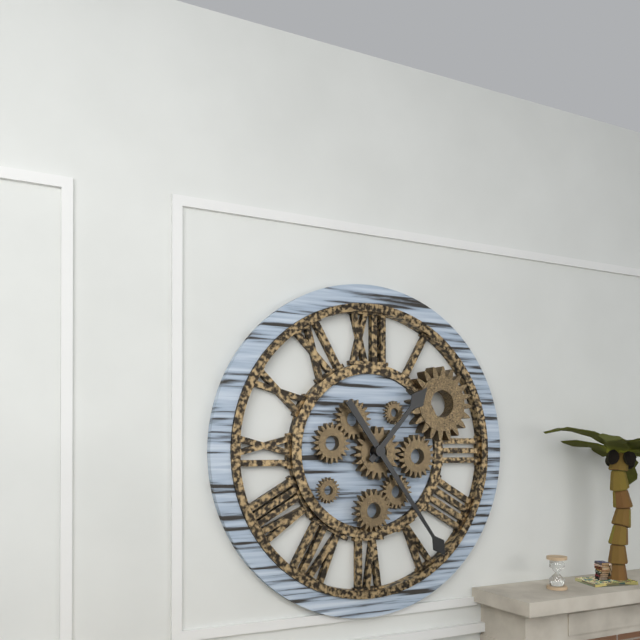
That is 1 h 24 min
